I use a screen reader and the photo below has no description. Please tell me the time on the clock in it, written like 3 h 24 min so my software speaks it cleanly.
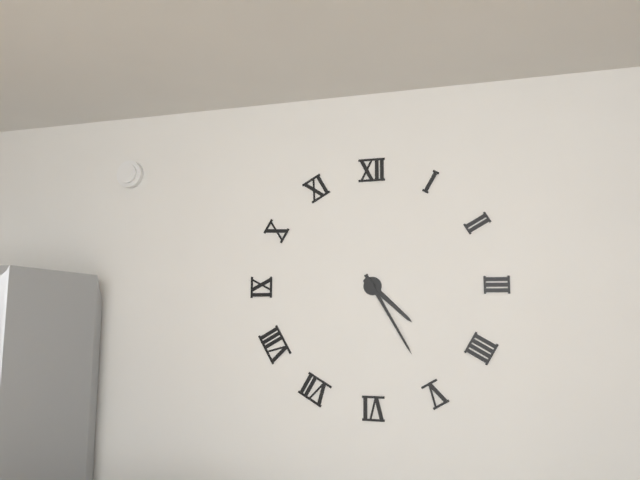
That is 4 h 25 min
